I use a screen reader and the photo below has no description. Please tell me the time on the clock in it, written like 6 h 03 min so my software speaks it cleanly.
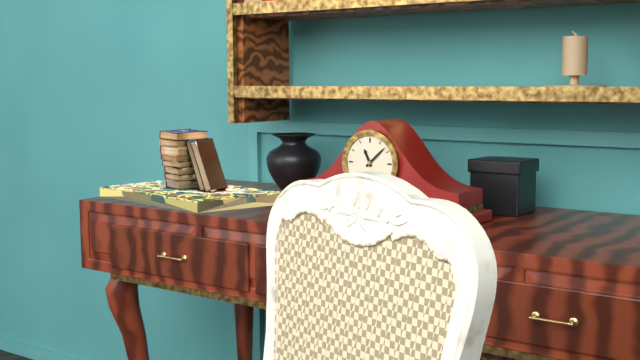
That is 11 h 08 min
